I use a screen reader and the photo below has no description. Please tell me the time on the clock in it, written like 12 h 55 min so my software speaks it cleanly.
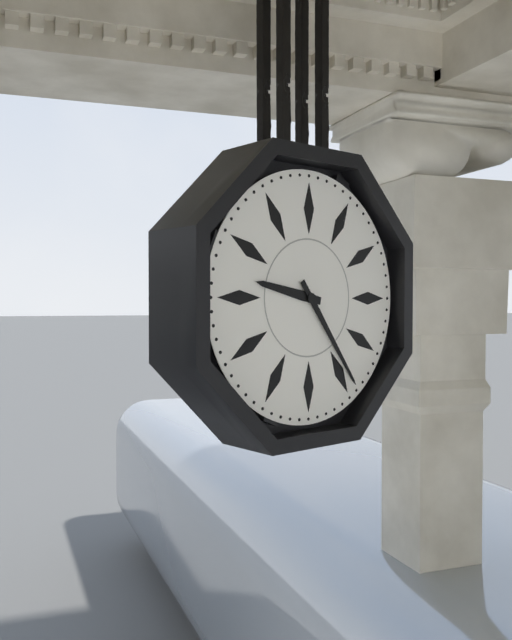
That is 9 h 24 min
